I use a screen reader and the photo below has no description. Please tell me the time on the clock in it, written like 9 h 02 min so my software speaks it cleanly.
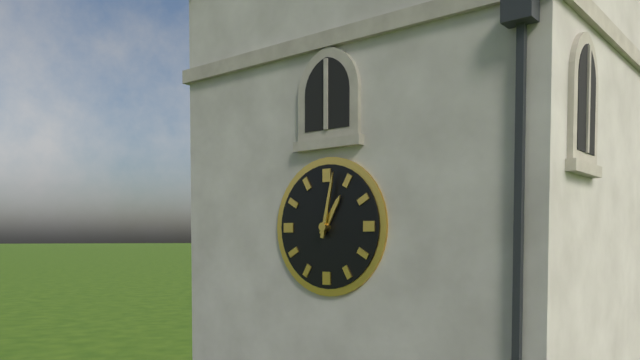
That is 1 h 02 min
